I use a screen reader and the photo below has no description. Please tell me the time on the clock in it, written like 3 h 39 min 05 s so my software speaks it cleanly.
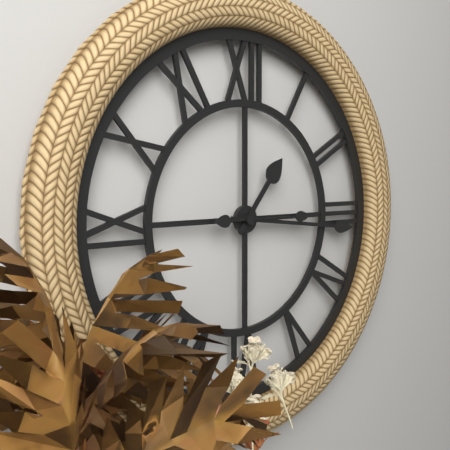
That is 1 h 16 min 15 s
